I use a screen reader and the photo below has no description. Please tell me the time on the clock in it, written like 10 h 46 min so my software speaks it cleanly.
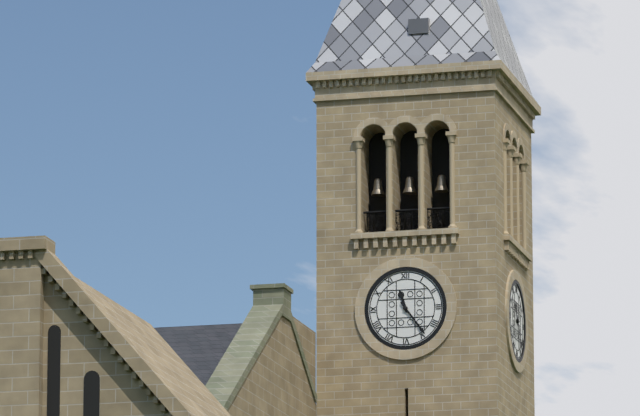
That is 11 h 24 min
